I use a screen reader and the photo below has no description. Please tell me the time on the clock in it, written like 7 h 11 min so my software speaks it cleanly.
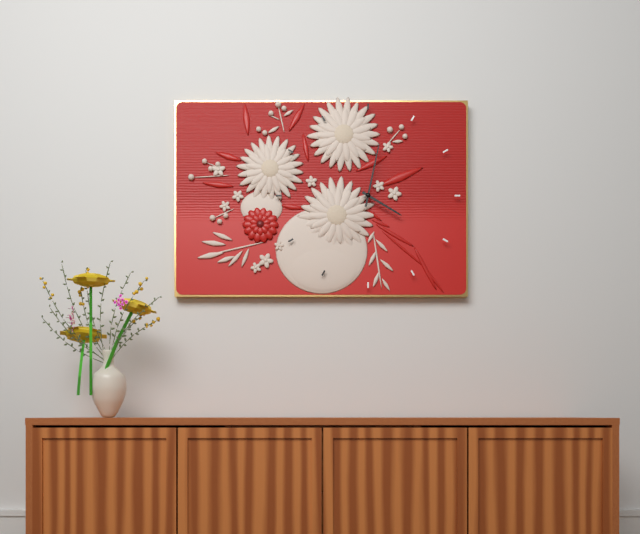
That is 4 h 02 min
